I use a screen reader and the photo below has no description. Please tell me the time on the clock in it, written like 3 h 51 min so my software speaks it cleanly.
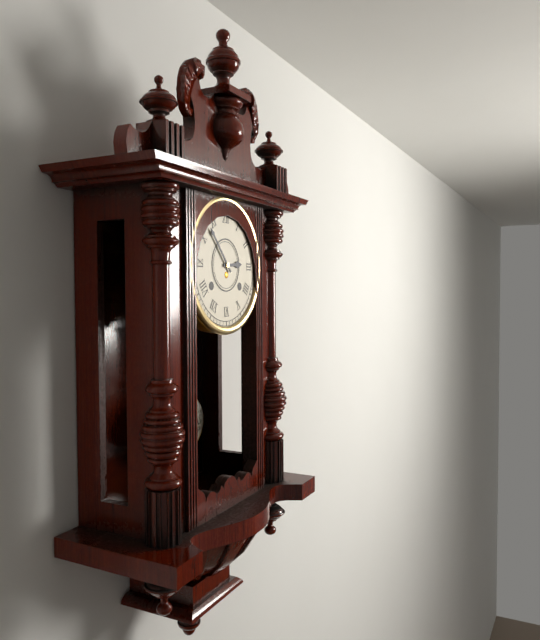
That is 2 h 53 min
